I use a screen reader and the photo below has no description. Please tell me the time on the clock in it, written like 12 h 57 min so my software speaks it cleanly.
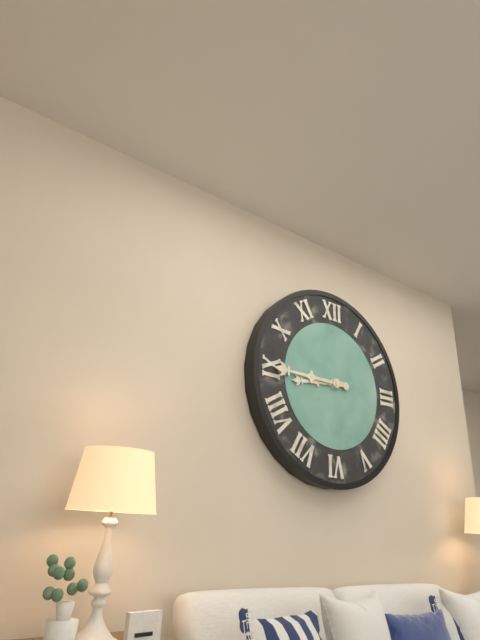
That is 8 h 45 min
